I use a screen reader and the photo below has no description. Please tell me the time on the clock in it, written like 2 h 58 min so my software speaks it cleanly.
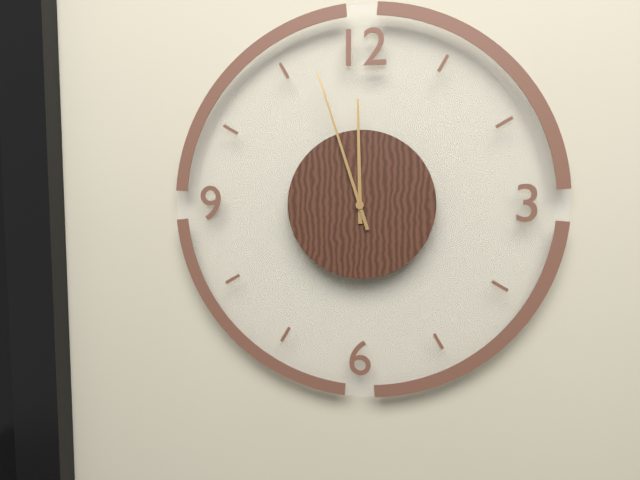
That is 11 h 57 min
